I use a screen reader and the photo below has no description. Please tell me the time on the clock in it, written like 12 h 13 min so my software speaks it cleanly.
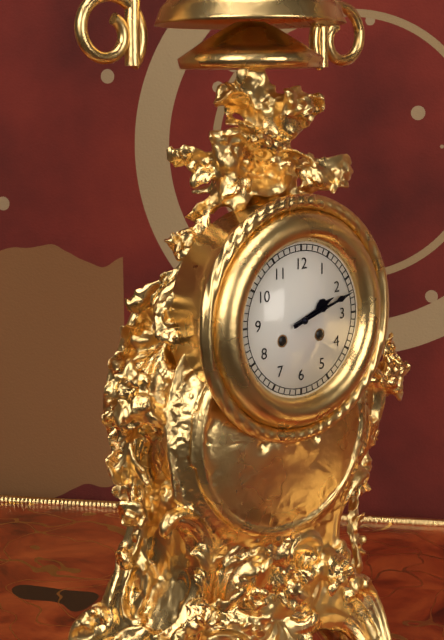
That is 2 h 12 min
